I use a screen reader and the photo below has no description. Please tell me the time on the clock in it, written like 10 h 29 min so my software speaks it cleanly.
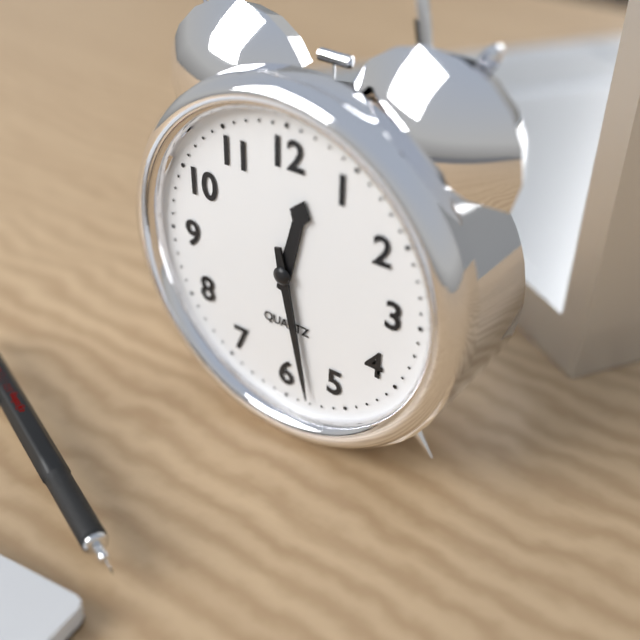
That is 12 h 28 min
